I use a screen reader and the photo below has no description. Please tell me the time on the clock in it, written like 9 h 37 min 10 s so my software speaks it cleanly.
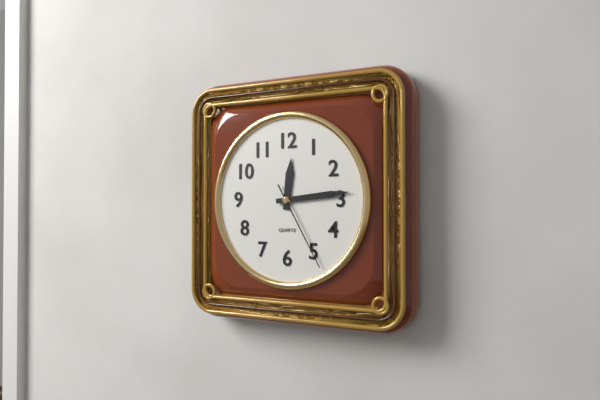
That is 12 h 14 min 25 s
